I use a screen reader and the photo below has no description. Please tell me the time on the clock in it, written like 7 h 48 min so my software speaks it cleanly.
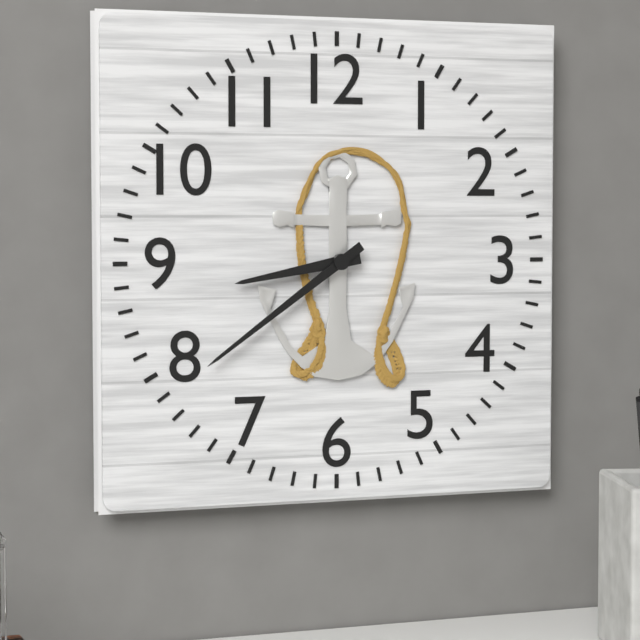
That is 8 h 39 min
